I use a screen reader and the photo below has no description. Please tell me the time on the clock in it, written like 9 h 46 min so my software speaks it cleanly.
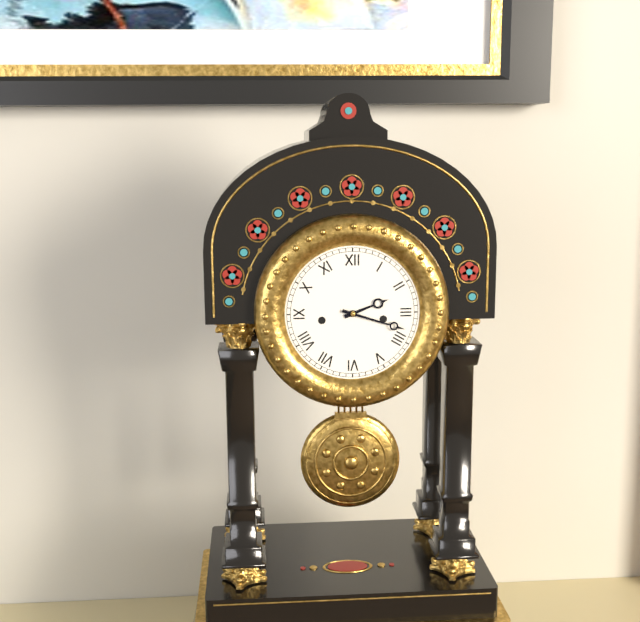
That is 2 h 18 min
